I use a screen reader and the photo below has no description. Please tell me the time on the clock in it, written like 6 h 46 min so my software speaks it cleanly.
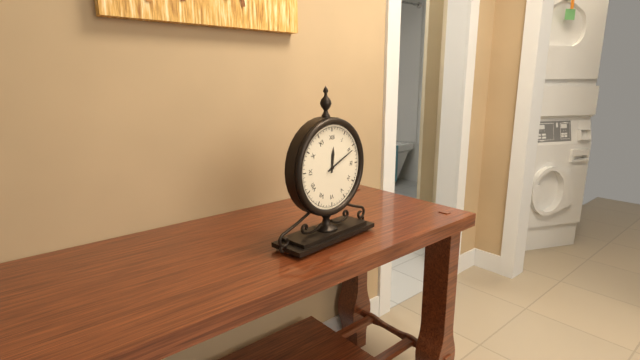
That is 12 h 11 min
